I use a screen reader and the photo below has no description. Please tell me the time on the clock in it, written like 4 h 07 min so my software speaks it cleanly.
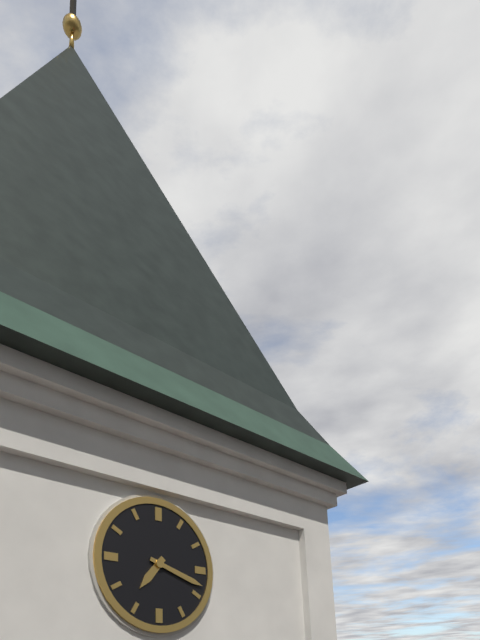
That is 7 h 18 min
